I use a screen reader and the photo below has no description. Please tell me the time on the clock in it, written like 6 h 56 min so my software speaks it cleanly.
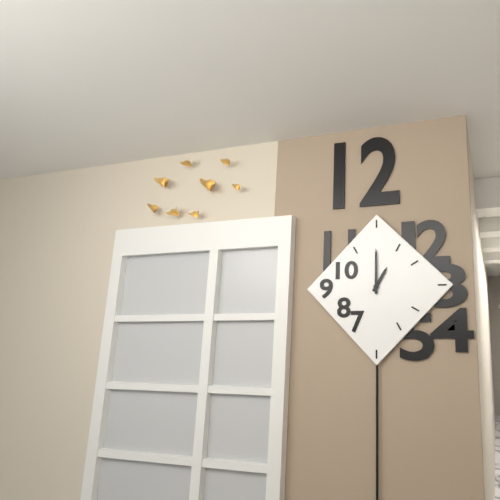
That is 1 h 00 min
